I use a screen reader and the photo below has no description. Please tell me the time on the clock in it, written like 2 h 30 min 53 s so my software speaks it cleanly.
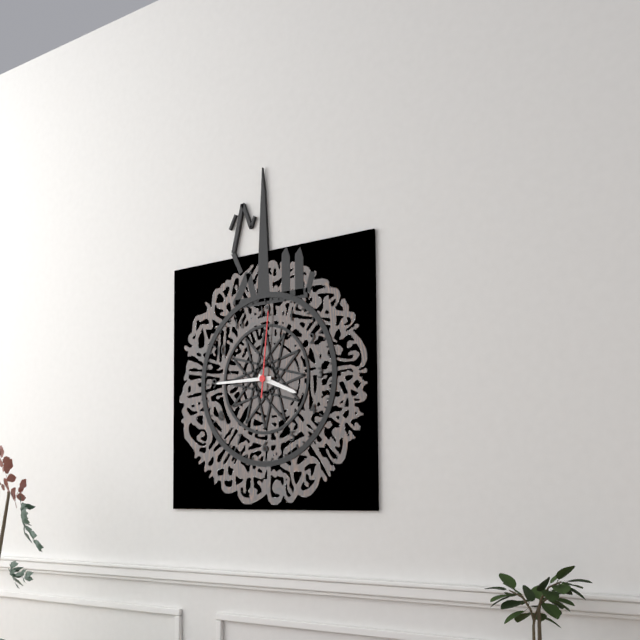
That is 3 h 45 min 01 s
